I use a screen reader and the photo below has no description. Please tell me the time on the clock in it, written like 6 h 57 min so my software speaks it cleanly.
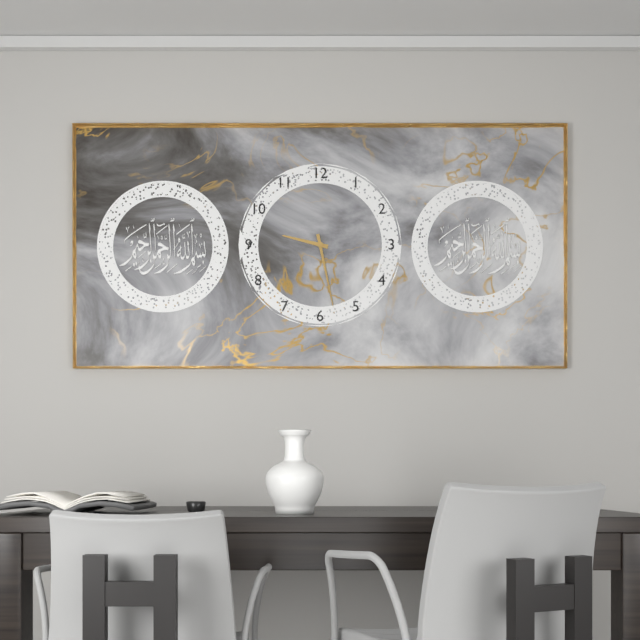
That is 9 h 28 min
